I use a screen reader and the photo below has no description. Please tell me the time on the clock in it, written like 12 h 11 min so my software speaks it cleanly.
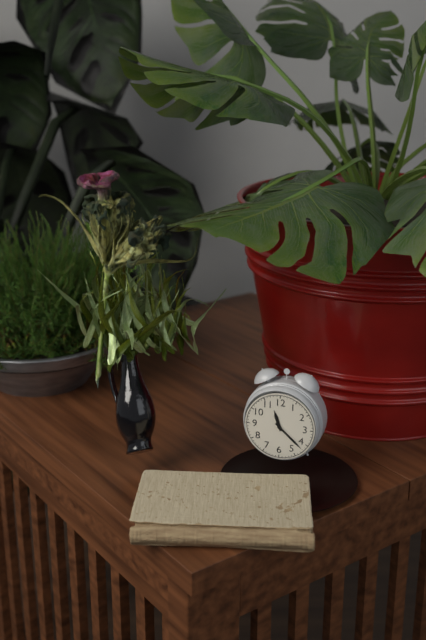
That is 11 h 22 min
